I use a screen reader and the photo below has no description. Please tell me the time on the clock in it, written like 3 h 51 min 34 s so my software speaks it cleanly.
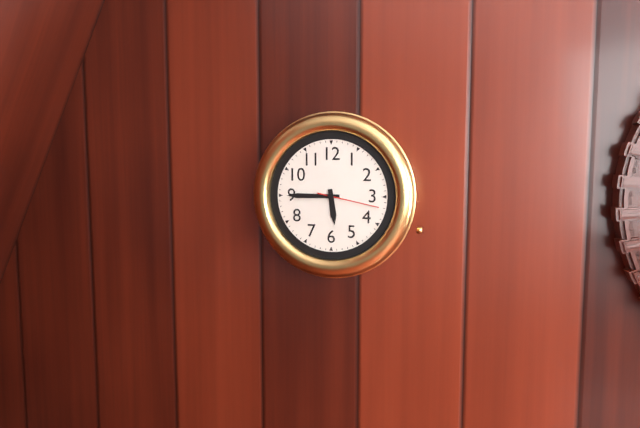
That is 5 h 45 min 17 s
